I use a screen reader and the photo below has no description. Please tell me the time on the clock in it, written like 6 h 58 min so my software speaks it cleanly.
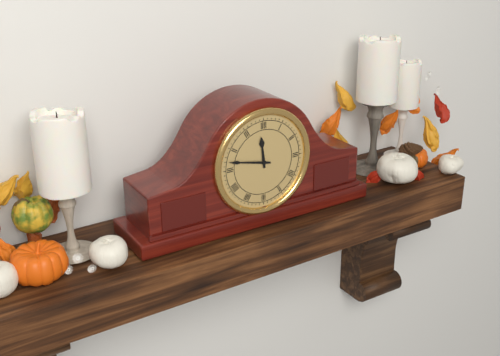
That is 11 h 47 min
